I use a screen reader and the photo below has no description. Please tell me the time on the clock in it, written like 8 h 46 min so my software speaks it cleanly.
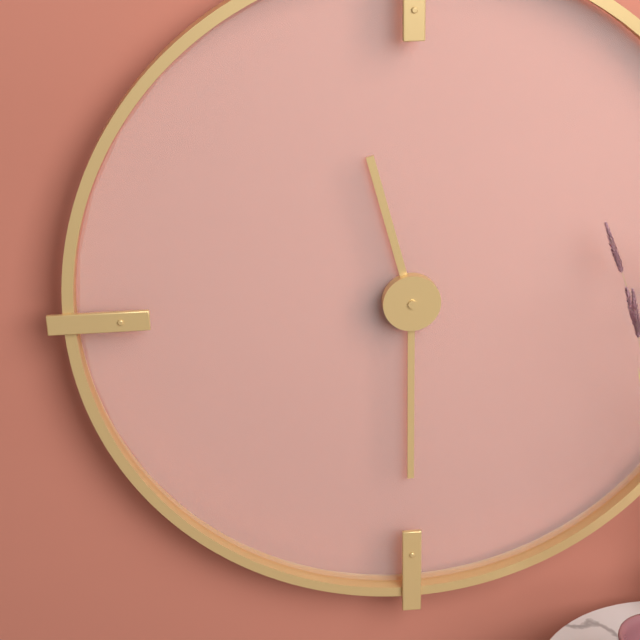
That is 11 h 30 min
